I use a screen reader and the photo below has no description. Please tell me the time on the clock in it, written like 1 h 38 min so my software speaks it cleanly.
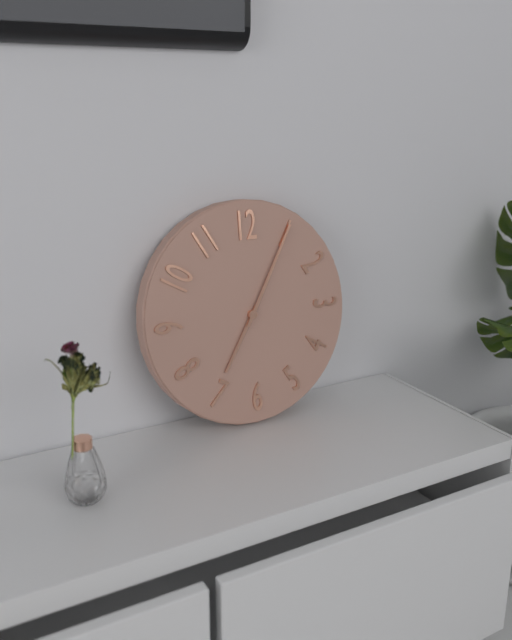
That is 7 h 05 min
